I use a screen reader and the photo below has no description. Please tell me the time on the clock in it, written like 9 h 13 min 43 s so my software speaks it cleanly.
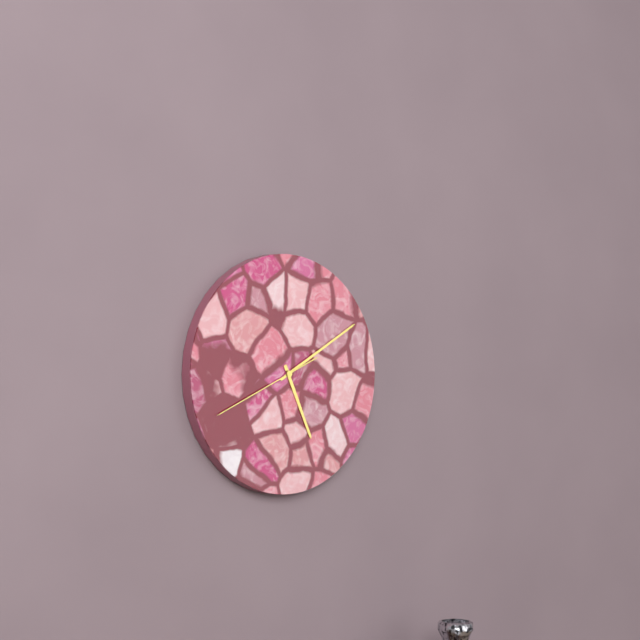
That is 5 h 10 min 41 s
